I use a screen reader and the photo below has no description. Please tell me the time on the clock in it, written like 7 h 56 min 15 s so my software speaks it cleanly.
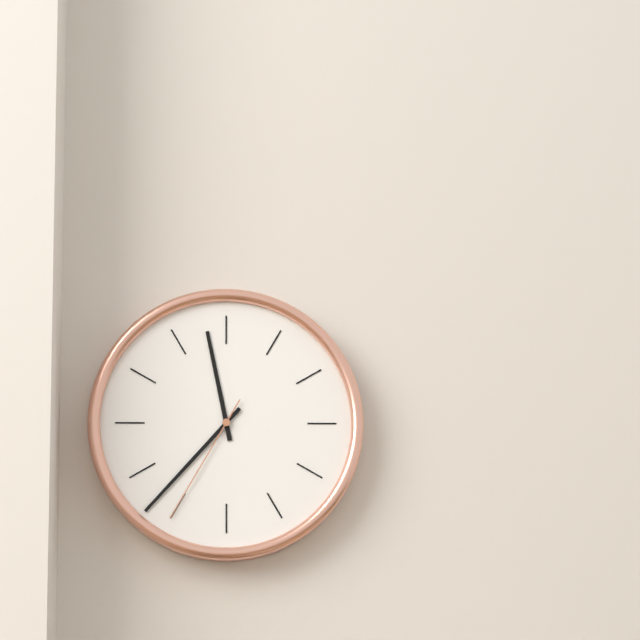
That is 11 h 37 min 35 s
